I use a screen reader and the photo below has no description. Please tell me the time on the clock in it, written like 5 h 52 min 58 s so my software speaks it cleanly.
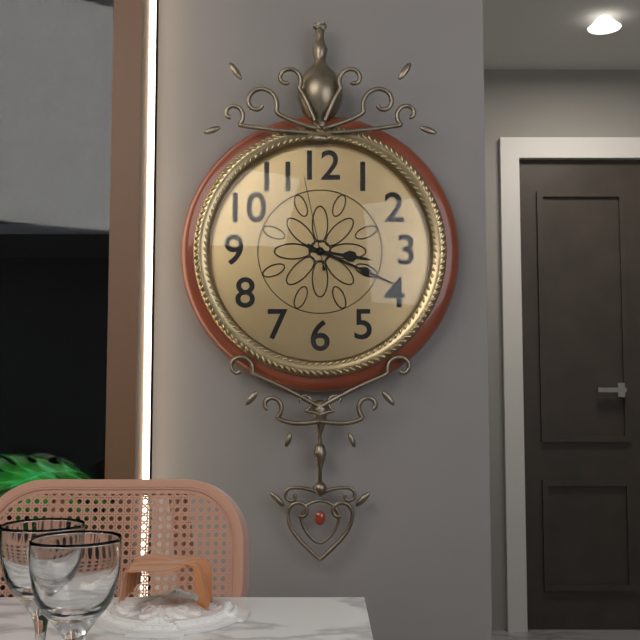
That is 3 h 19 min 58 s
